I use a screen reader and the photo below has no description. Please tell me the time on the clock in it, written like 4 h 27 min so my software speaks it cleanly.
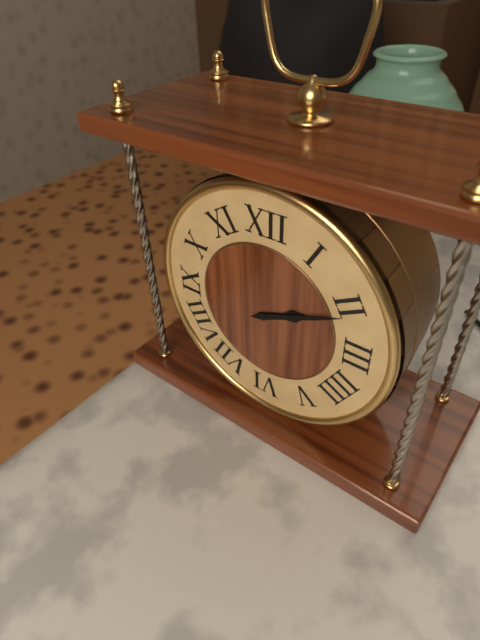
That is 2 h 11 min
